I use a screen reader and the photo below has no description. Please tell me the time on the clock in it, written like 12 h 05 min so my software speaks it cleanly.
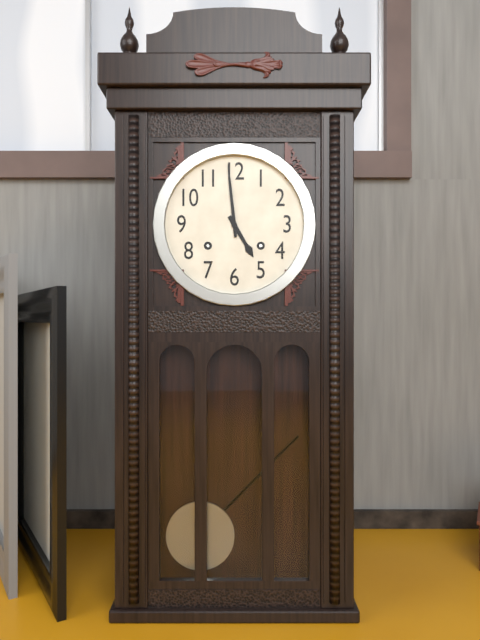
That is 4 h 59 min
